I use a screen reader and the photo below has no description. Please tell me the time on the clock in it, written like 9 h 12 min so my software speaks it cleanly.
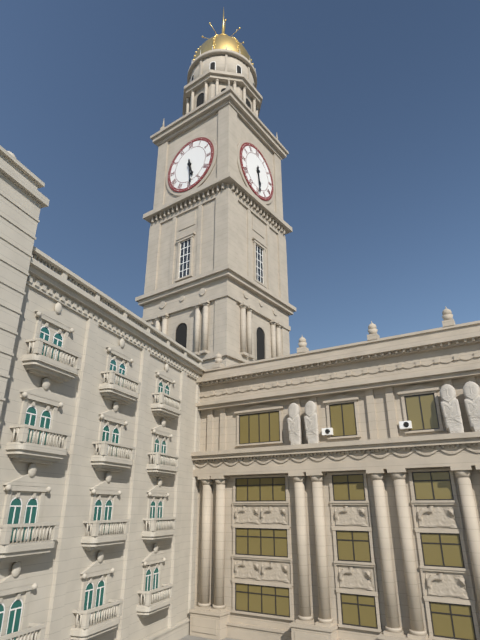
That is 5 h 29 min
